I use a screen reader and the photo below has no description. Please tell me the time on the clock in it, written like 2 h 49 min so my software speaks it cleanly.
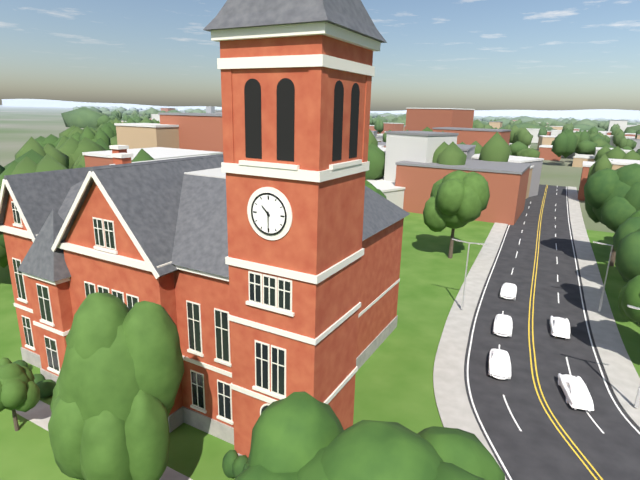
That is 10 h 30 min
